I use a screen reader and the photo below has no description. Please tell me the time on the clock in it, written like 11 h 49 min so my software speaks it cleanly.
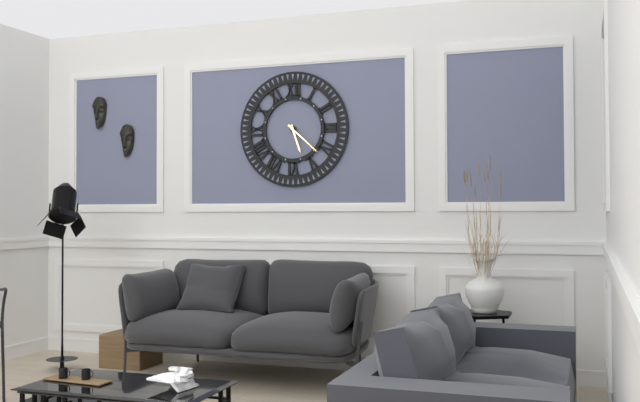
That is 5 h 22 min
